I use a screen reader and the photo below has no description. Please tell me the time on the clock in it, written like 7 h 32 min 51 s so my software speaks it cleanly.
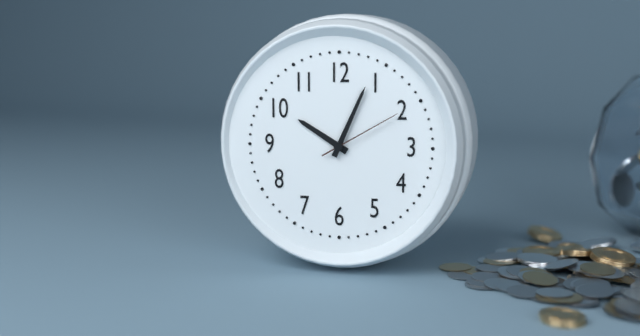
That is 10 h 04 min 10 s
